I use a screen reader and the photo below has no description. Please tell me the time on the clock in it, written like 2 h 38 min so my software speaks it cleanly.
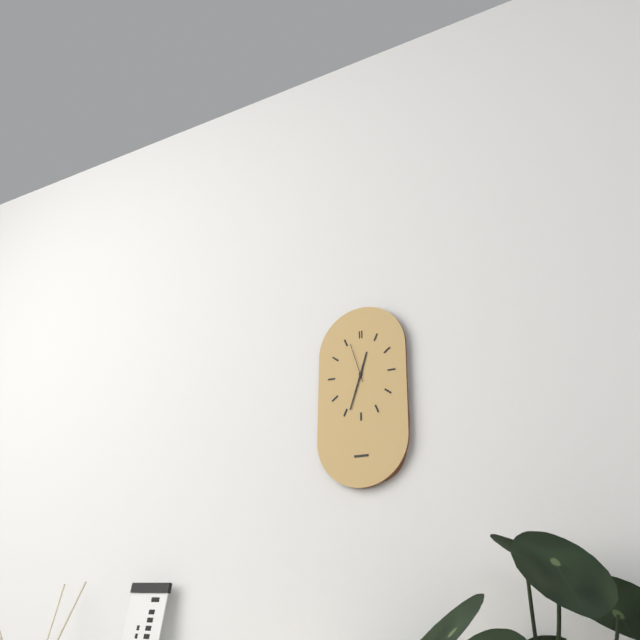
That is 12 h 33 min
